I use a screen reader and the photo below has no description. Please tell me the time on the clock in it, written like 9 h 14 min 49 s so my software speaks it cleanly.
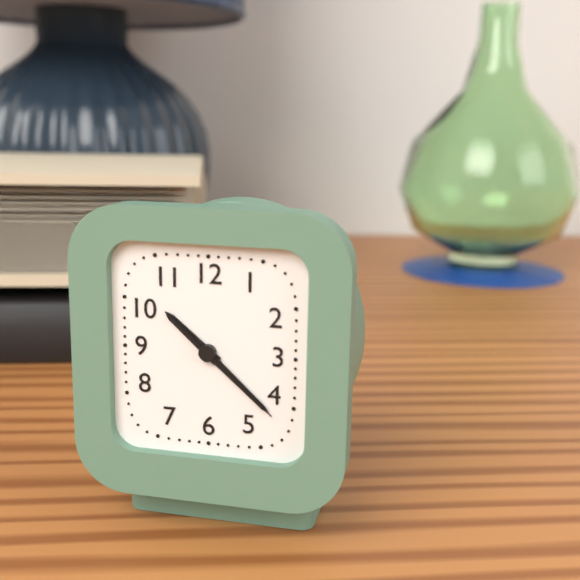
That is 10 h 22 min 22 s
